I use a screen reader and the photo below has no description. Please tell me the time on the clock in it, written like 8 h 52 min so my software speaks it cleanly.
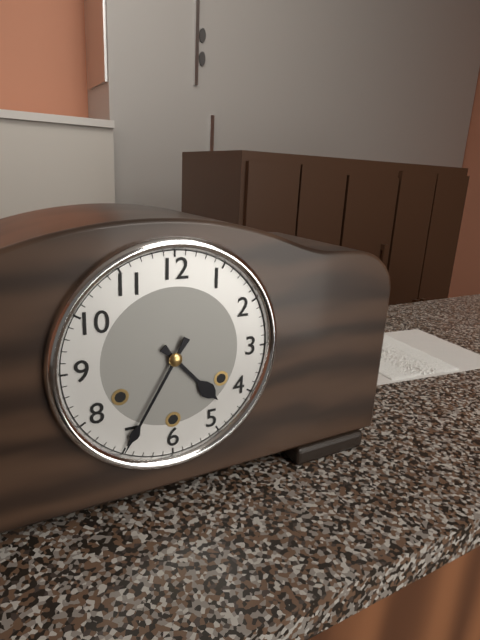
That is 4 h 35 min
